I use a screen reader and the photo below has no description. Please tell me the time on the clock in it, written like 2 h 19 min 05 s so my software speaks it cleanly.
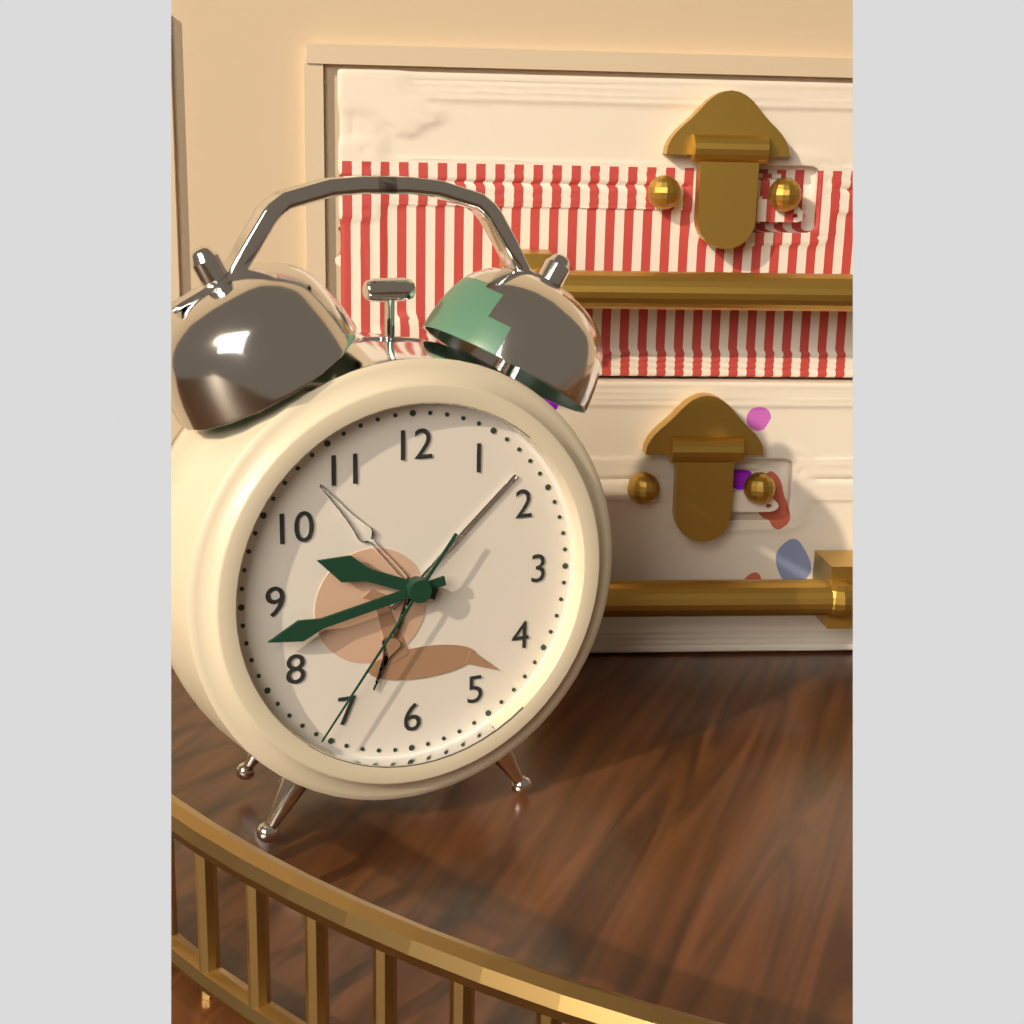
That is 9 h 43 min 36 s
